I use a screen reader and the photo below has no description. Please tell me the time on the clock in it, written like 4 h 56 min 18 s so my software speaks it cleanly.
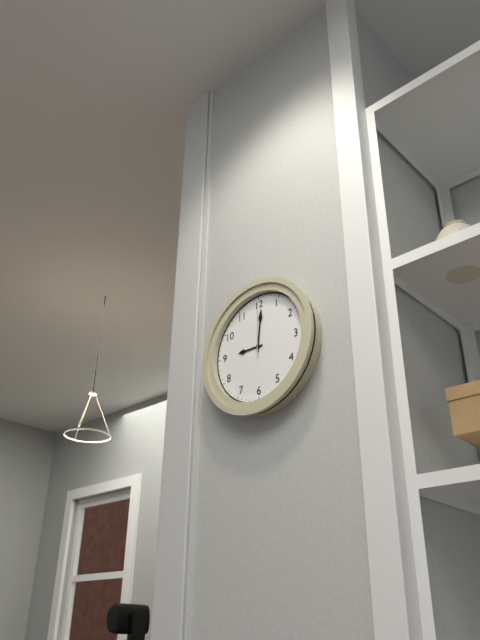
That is 9 h 01 min 00 s
